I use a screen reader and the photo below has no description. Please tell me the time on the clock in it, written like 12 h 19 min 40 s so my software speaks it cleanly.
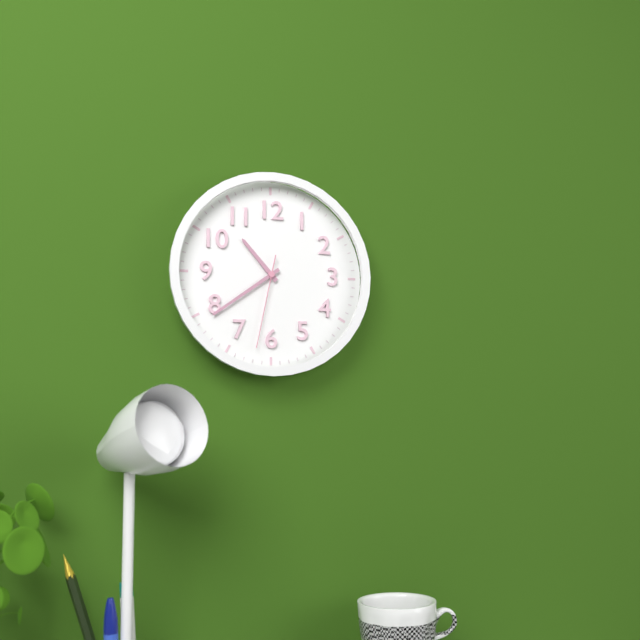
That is 10 h 39 min 32 s
